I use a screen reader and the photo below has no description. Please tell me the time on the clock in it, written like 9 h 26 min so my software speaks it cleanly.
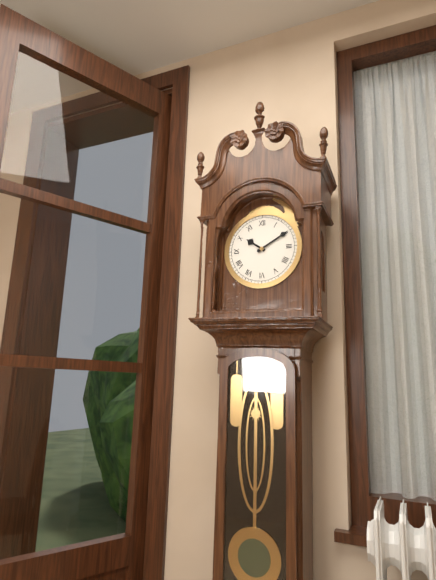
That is 10 h 10 min
